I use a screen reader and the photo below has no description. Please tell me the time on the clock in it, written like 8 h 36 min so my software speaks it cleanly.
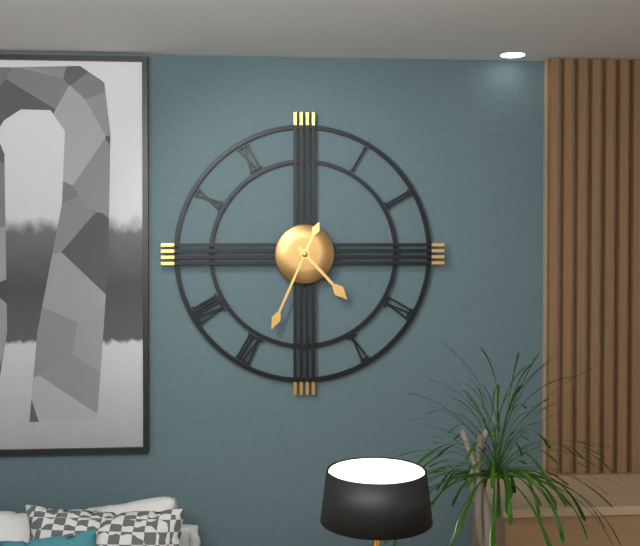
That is 4 h 34 min
